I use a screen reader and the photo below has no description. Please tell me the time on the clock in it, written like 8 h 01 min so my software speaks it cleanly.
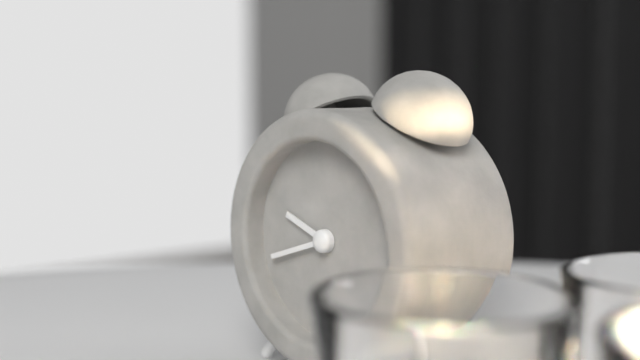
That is 9 h 42 min
